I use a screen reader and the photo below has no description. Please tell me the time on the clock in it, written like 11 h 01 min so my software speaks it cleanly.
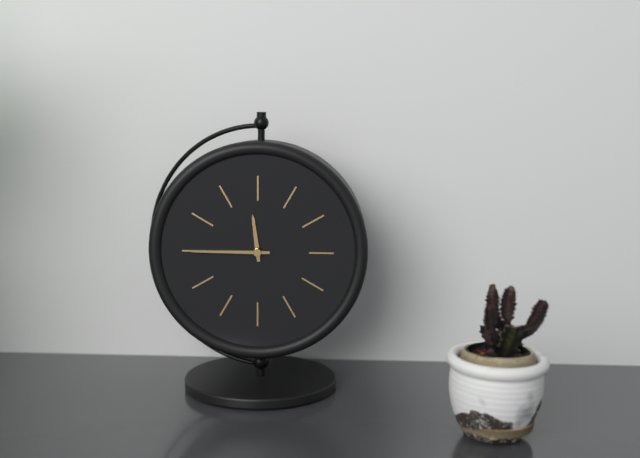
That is 11 h 45 min
